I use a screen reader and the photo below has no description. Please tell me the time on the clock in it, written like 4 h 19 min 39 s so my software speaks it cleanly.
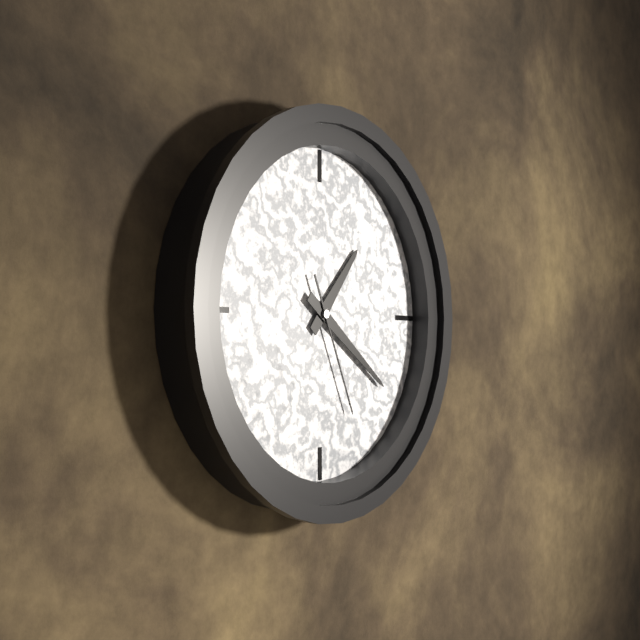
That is 1 h 21 min 26 s
